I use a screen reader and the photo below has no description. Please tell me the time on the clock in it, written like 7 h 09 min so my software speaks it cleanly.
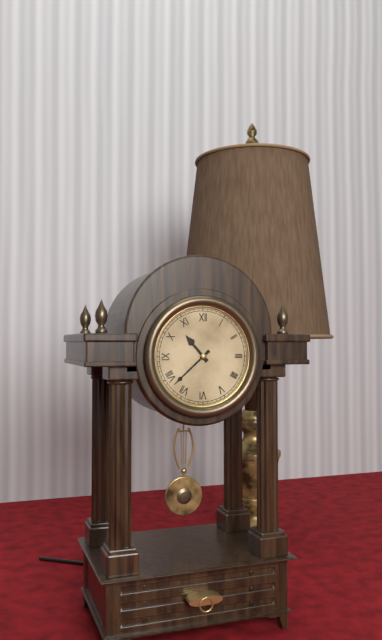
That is 10 h 38 min
